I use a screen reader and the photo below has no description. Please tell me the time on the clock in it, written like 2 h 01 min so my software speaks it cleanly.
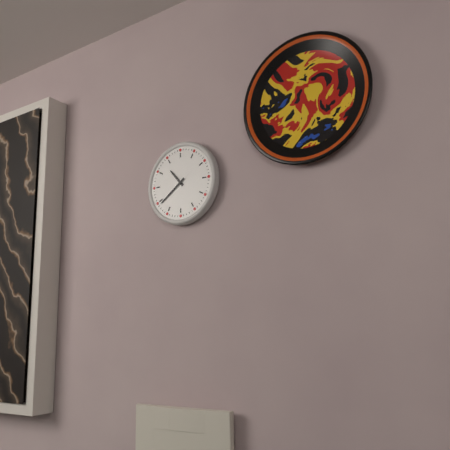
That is 10 h 39 min
